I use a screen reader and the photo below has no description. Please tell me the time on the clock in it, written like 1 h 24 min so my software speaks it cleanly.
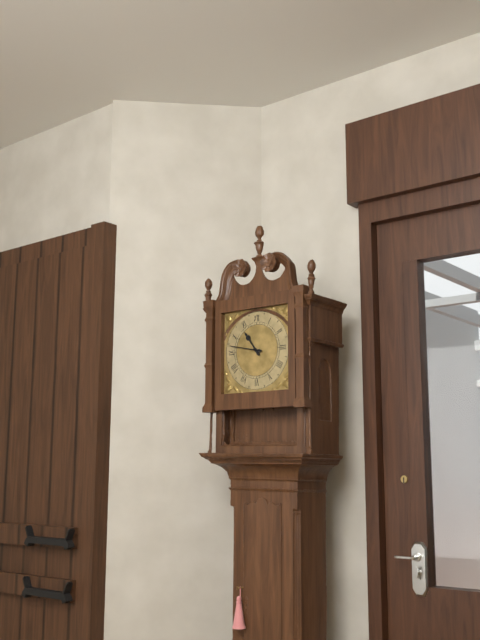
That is 10 h 47 min
